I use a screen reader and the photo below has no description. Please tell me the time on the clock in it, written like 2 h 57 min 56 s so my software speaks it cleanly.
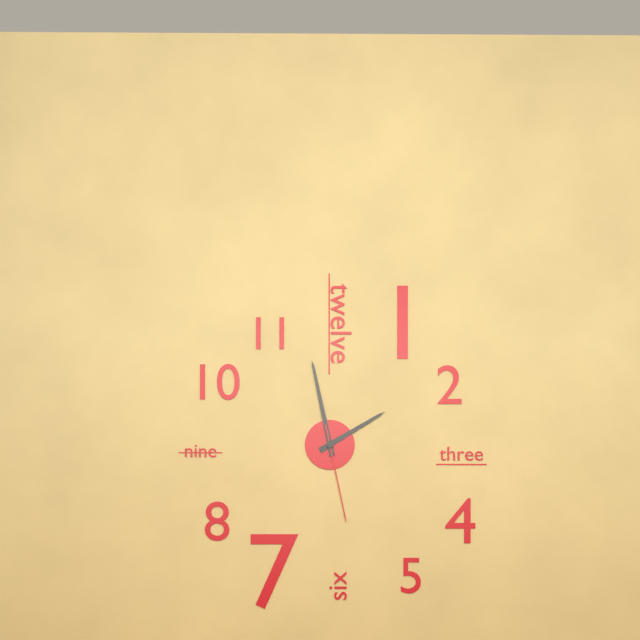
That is 1 h 58 min 28 s
